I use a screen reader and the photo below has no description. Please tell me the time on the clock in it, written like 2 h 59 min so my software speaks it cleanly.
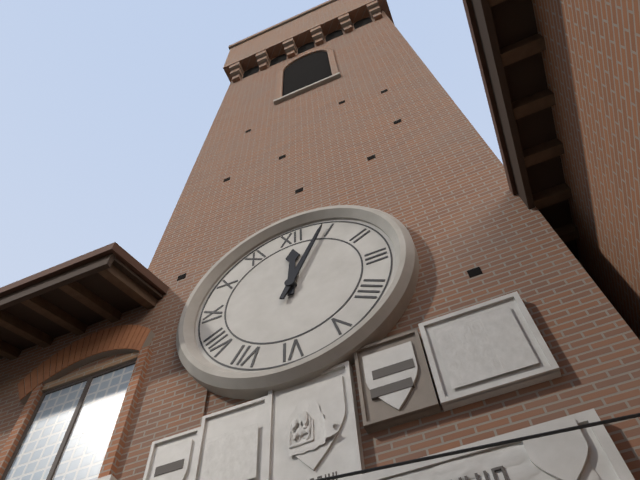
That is 12 h 04 min
